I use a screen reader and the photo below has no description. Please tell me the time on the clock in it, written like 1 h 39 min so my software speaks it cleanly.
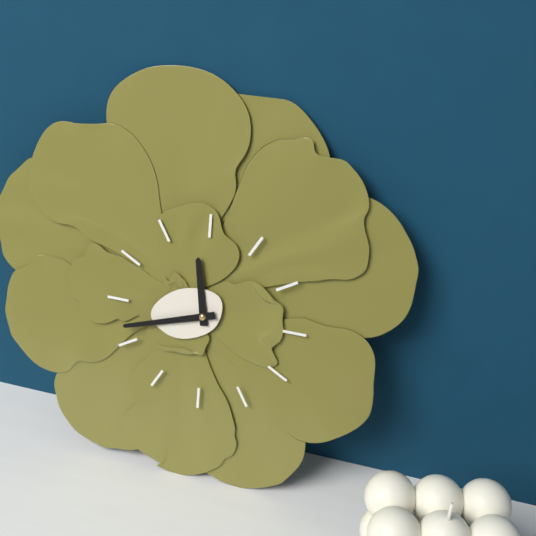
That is 11 h 42 min
